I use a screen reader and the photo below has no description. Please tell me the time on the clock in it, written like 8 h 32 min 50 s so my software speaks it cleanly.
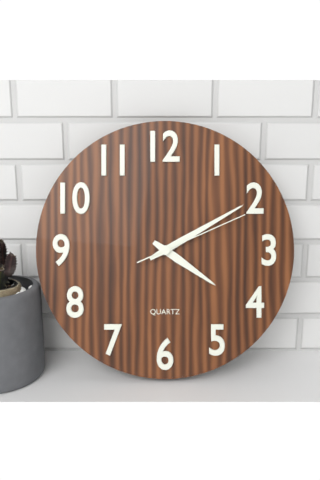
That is 4 h 10 min 11 s
